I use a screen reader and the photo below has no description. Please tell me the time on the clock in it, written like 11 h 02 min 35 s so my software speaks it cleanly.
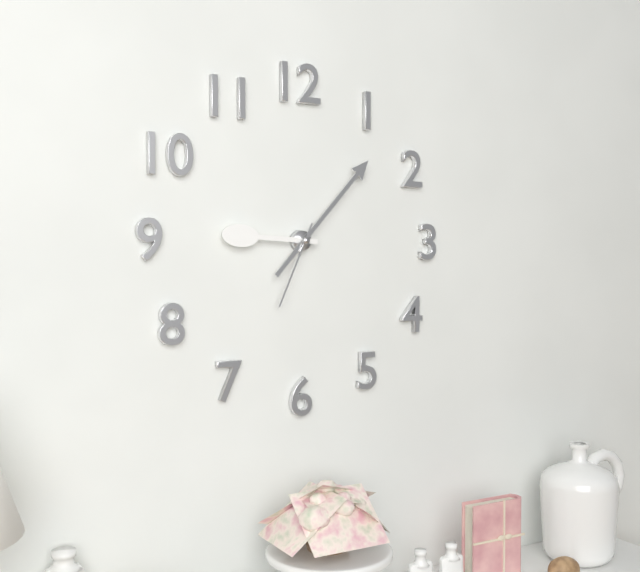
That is 9 h 07 min 34 s
